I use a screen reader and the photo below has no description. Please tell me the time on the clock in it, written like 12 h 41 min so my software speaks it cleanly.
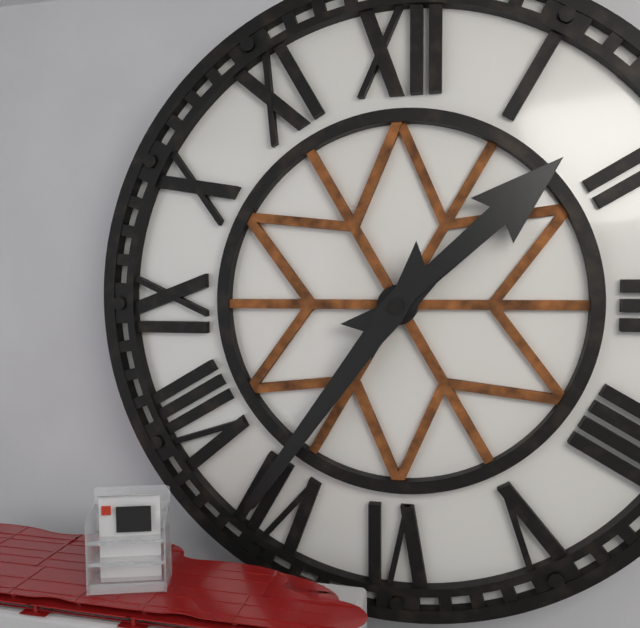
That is 1 h 36 min
